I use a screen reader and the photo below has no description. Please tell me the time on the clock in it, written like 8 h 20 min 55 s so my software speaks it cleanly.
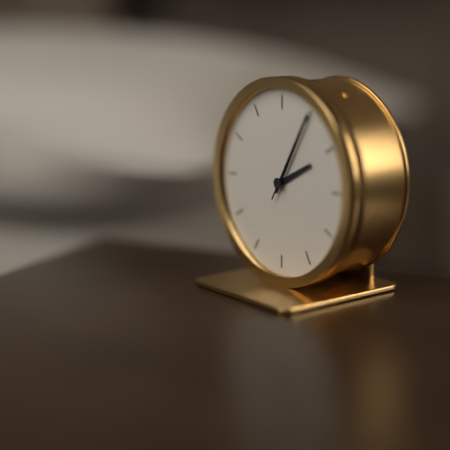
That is 2 h 05 min 05 s
